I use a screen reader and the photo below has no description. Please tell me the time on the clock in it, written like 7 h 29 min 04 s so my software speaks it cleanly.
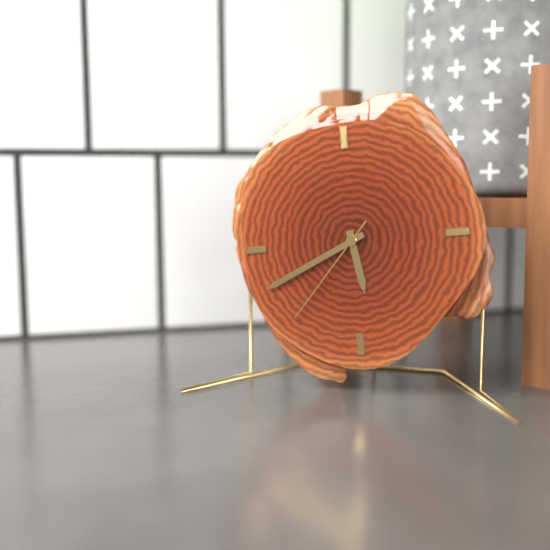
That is 5 h 41 min 37 s
